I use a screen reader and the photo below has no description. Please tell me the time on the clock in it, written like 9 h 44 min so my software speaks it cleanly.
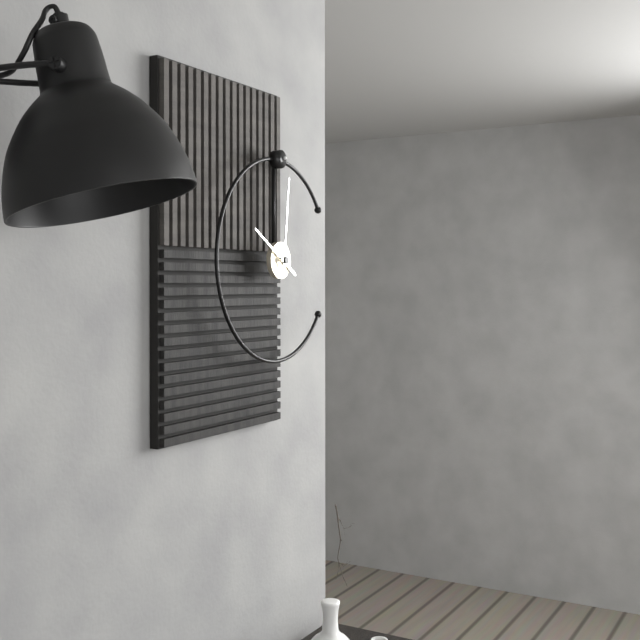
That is 10 h 01 min
